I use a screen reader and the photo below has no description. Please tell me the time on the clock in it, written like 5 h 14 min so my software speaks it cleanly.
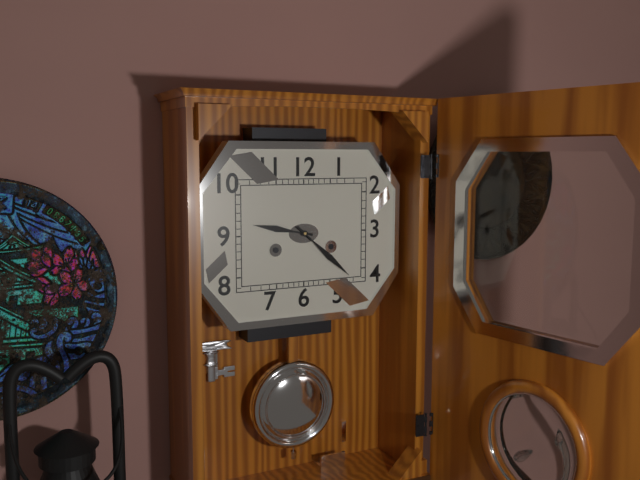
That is 9 h 22 min
